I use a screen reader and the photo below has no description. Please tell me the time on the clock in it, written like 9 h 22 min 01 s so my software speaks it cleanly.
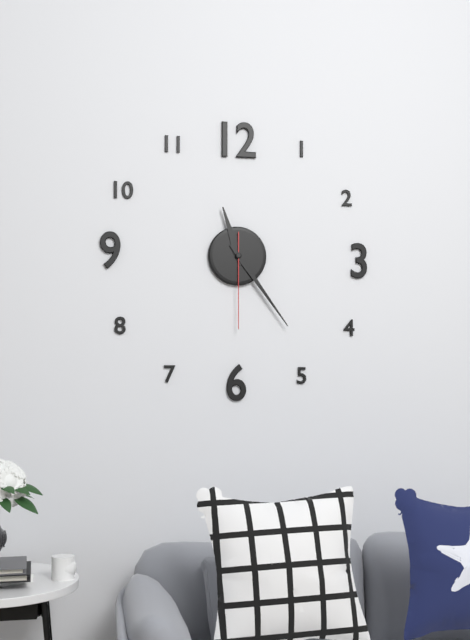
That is 11 h 24 min 30 s
